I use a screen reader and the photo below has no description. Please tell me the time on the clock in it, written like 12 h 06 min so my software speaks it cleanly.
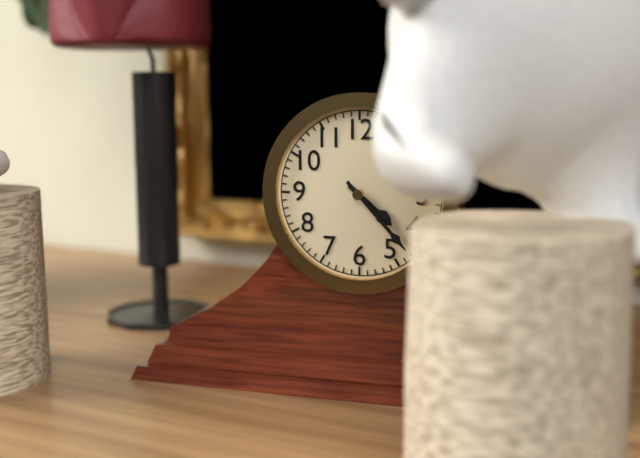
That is 4 h 23 min
